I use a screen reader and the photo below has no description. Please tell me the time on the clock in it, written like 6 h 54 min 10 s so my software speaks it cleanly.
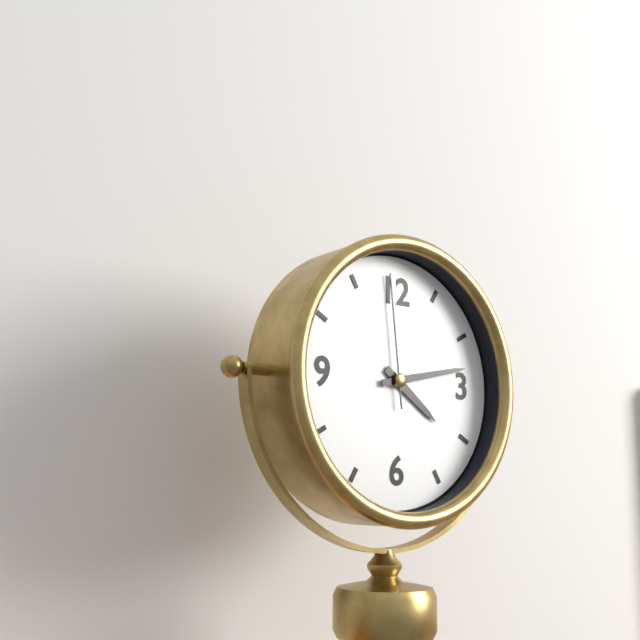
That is 4 h 13 min 59 s
